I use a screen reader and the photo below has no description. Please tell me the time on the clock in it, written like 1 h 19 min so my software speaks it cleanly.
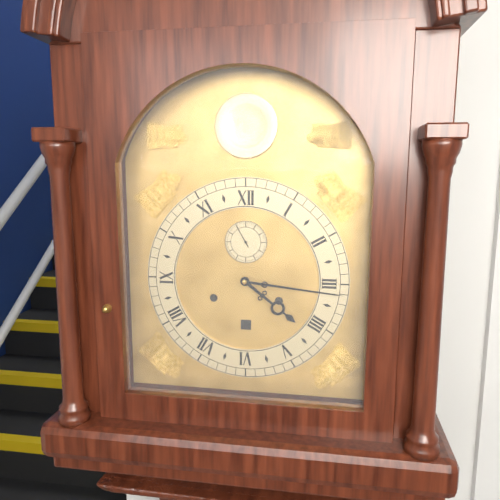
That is 4 h 16 min
